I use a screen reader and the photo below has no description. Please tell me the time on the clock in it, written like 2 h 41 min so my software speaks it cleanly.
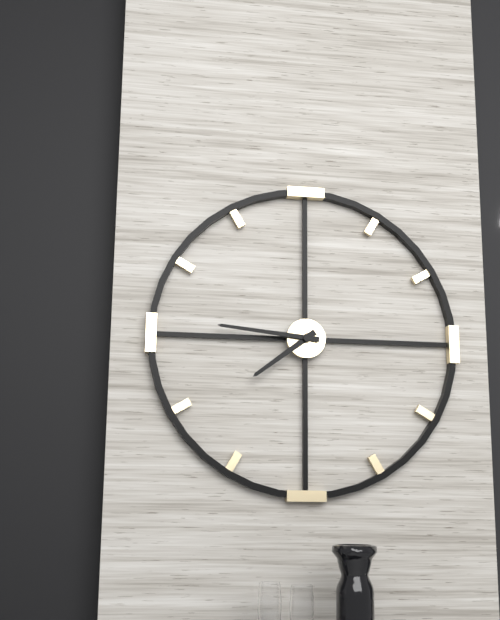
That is 7 h 46 min
